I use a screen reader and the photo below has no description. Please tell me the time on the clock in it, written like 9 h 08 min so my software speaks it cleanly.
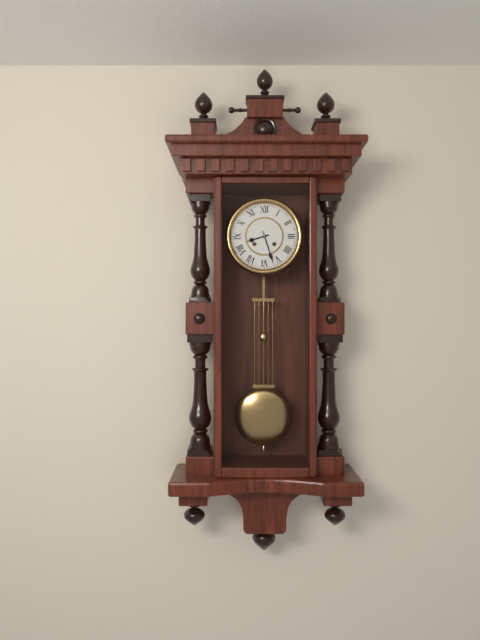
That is 8 h 27 min
